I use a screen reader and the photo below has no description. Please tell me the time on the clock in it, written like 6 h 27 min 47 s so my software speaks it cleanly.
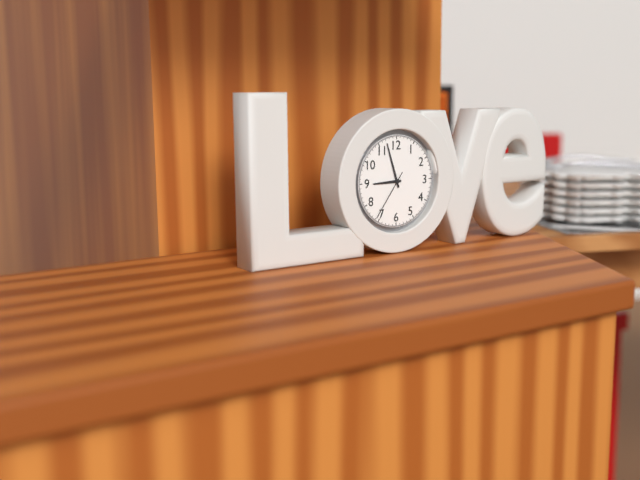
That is 8 h 57 min 36 s
